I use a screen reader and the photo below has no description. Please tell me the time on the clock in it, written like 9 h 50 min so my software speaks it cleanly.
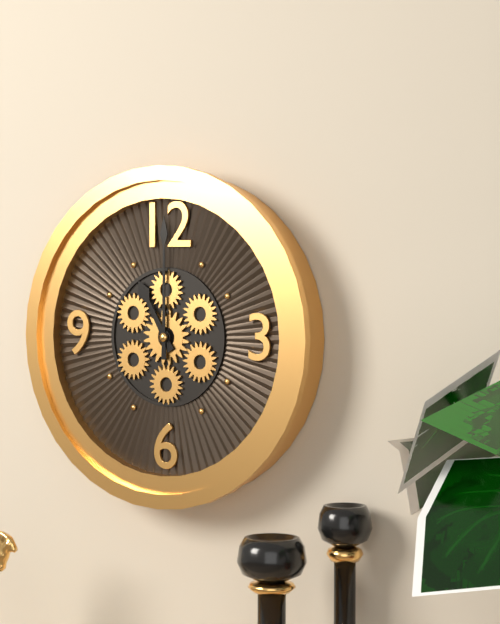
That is 11 h 00 min
